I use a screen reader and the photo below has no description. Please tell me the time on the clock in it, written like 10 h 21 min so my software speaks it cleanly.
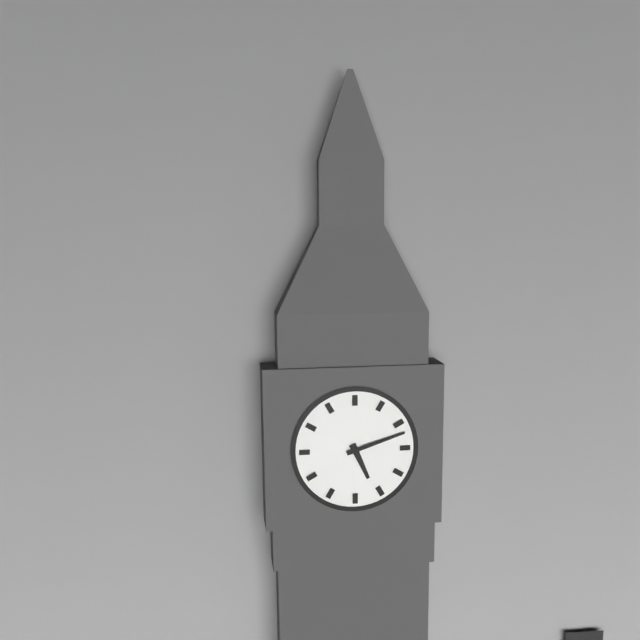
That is 5 h 12 min
